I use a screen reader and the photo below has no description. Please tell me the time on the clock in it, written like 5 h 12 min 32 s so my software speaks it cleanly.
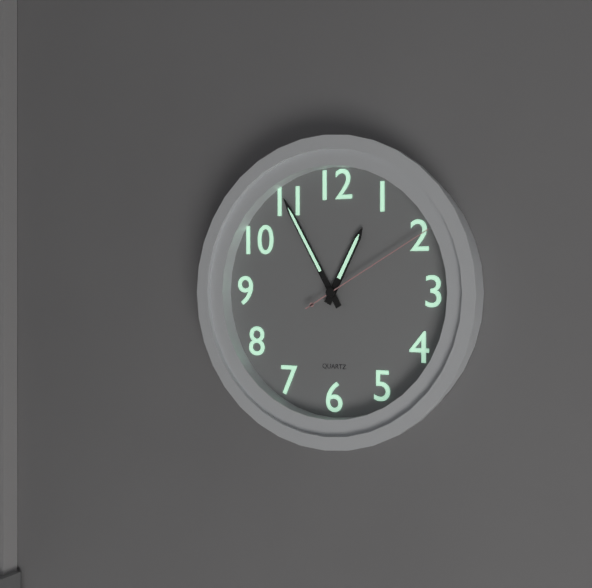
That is 12 h 55 min 10 s
